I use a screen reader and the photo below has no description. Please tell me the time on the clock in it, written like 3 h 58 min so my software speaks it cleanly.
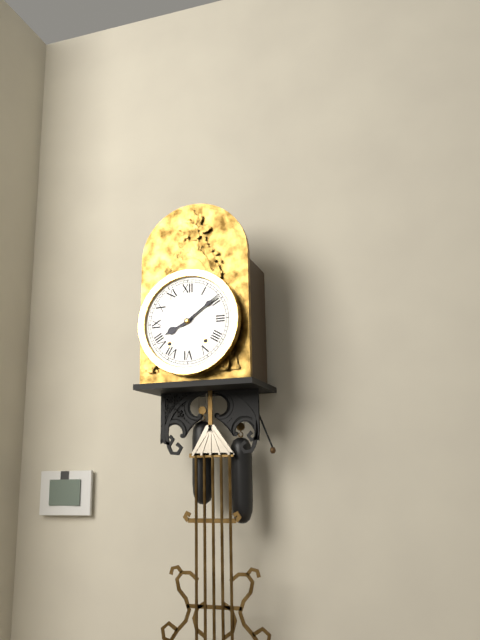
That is 8 h 09 min
